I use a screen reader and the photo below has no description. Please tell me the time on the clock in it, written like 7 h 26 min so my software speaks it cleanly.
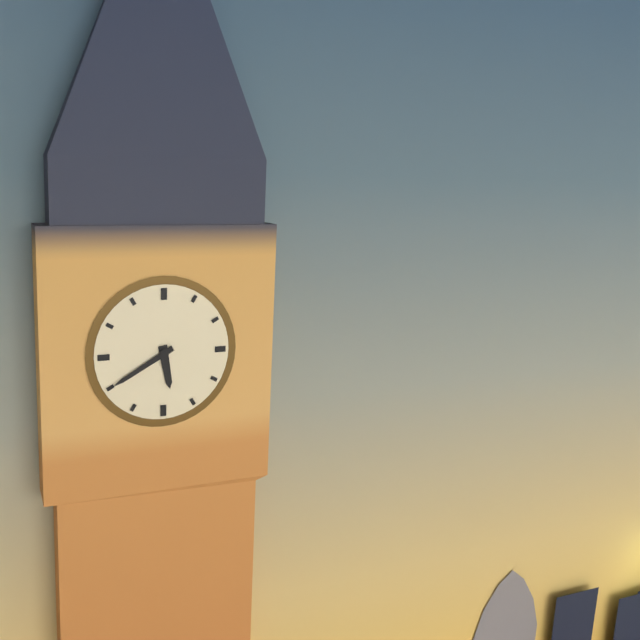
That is 5 h 40 min
